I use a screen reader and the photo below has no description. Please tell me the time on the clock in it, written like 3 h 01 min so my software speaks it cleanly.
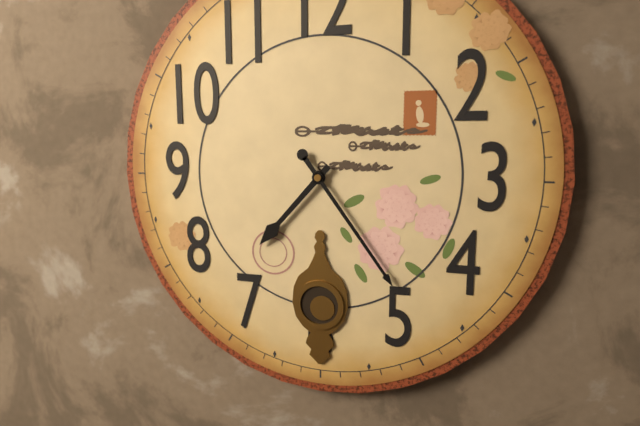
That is 7 h 24 min
